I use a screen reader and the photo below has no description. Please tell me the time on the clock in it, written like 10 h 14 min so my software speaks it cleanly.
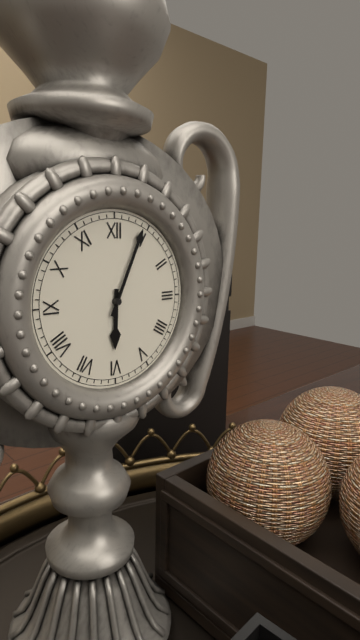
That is 6 h 04 min
